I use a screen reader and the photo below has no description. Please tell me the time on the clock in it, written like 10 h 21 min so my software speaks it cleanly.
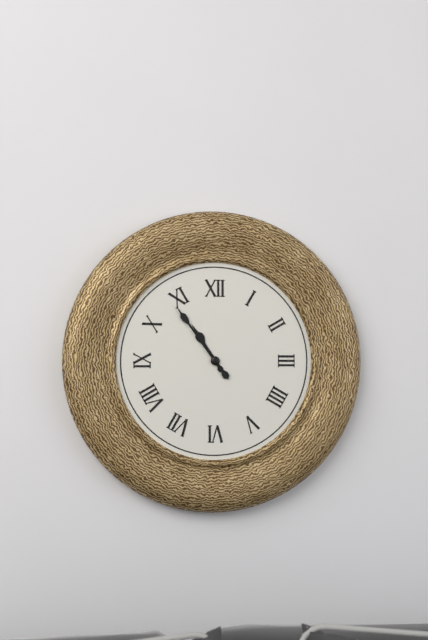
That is 10 h 54 min
